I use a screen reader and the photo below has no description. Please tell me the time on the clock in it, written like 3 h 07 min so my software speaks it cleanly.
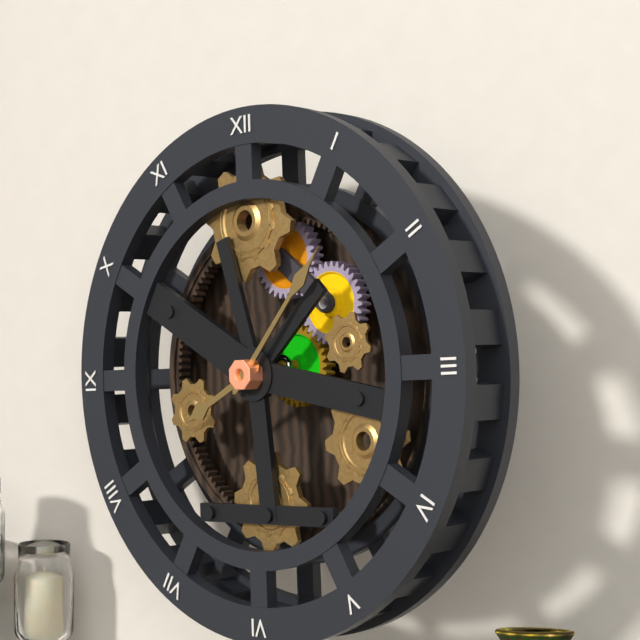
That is 8 h 07 min
